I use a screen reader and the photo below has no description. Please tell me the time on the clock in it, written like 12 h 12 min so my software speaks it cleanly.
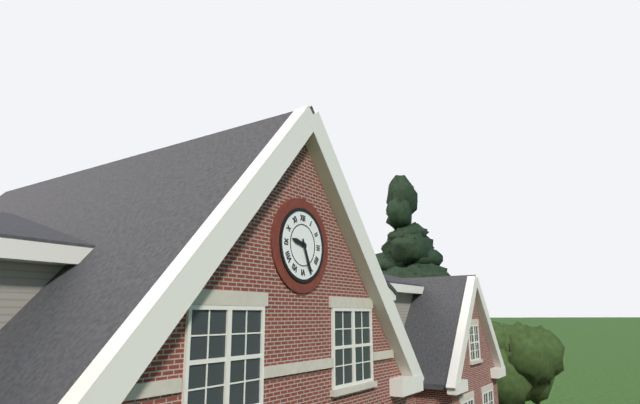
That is 9 h 26 min
